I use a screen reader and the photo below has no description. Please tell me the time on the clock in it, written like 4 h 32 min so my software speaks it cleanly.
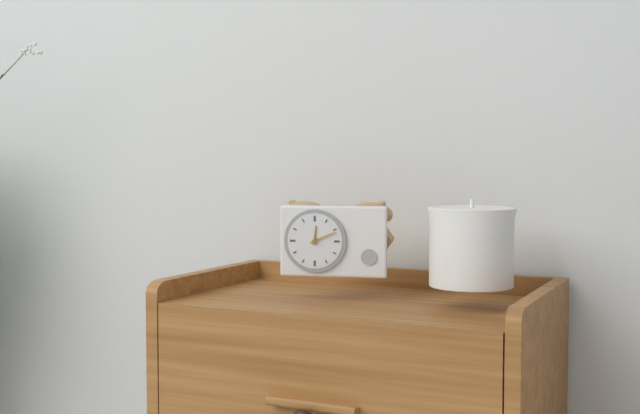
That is 12 h 11 min
